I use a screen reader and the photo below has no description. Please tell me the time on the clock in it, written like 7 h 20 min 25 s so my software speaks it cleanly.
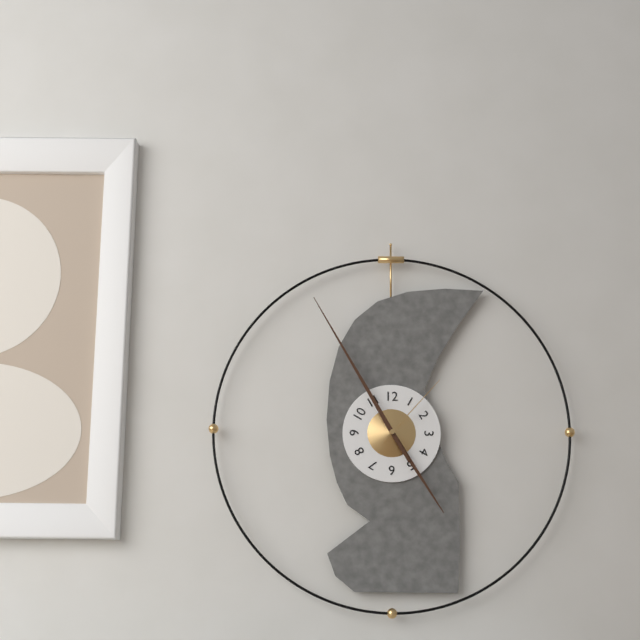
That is 4 h 55 min 07 s
